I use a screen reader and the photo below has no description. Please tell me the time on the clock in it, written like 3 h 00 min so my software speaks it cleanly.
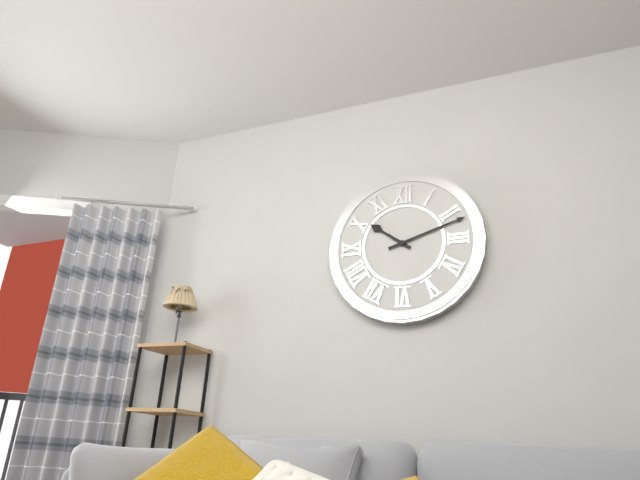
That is 10 h 12 min
